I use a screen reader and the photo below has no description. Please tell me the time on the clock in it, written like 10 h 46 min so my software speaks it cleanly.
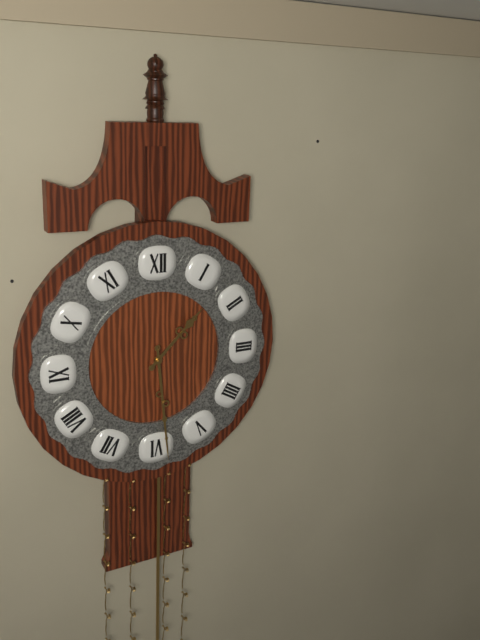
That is 1 h 29 min
